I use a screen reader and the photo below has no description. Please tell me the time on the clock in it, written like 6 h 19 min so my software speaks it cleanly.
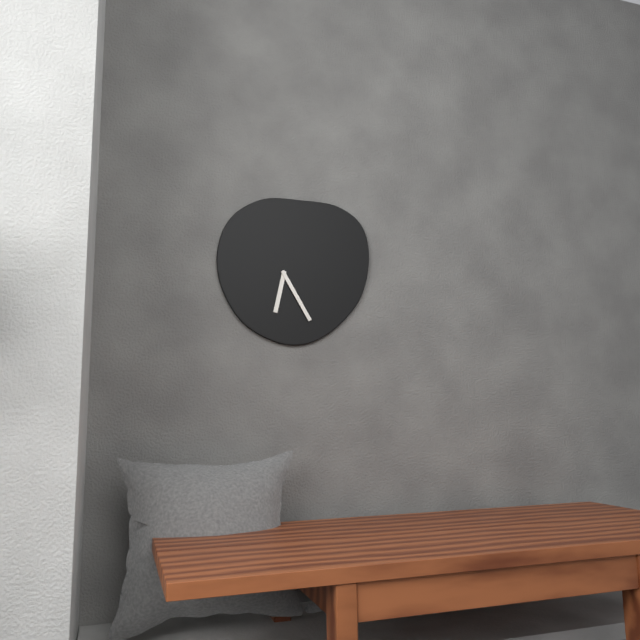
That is 6 h 25 min
